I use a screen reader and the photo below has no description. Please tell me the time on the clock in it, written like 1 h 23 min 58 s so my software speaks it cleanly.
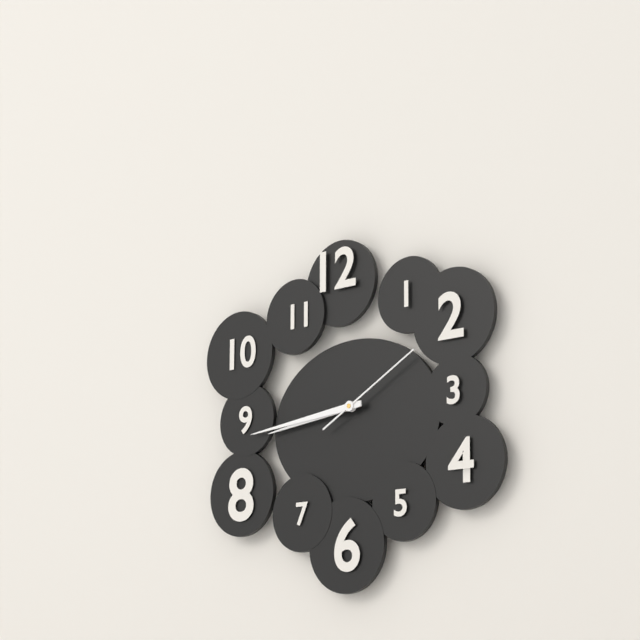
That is 8 h 44 min 10 s
